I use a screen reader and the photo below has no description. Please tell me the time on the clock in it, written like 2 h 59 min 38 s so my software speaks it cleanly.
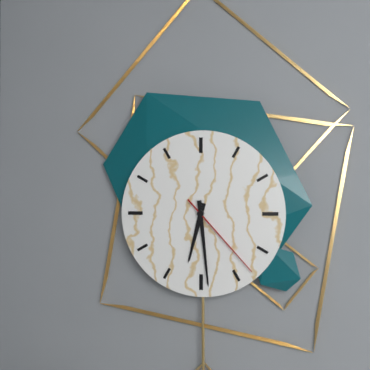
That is 6 h 29 min 23 s
